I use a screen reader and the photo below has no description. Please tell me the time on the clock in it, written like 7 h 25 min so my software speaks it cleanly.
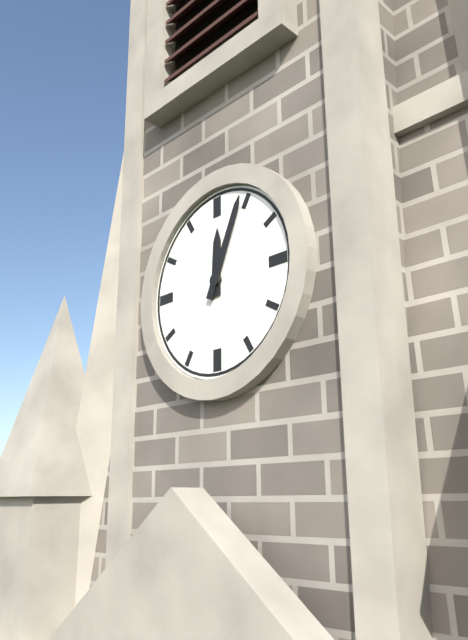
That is 12 h 04 min
